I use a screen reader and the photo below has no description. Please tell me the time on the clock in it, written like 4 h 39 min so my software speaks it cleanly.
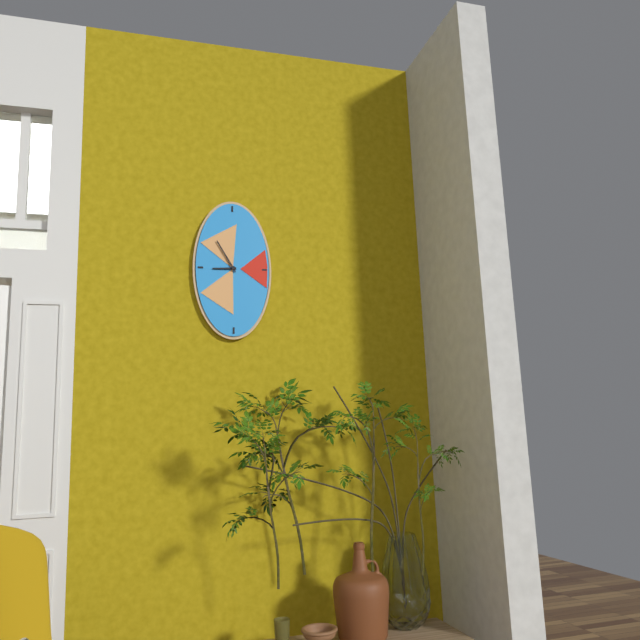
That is 8 h 55 min
